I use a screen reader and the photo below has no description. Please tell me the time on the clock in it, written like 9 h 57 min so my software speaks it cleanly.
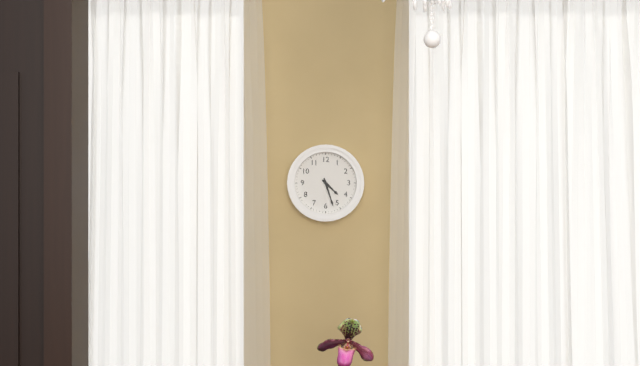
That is 4 h 27 min
